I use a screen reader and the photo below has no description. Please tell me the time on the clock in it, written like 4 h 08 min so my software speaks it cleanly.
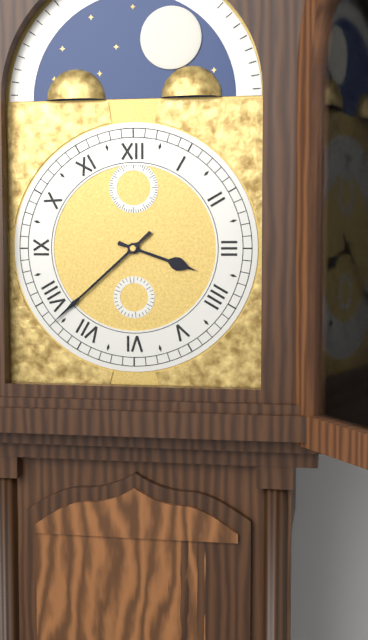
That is 3 h 38 min
